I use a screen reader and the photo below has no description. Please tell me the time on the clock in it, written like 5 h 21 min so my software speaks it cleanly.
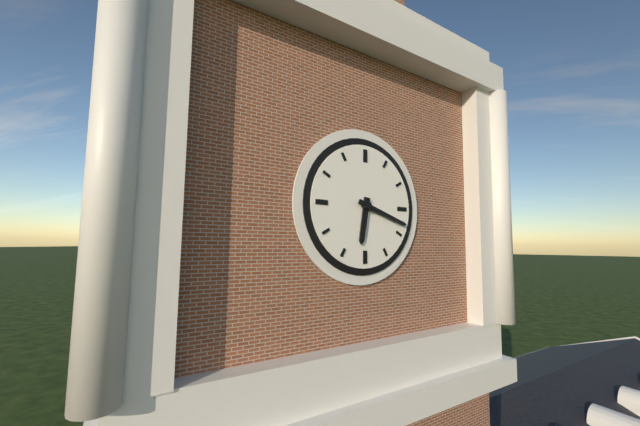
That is 6 h 18 min
